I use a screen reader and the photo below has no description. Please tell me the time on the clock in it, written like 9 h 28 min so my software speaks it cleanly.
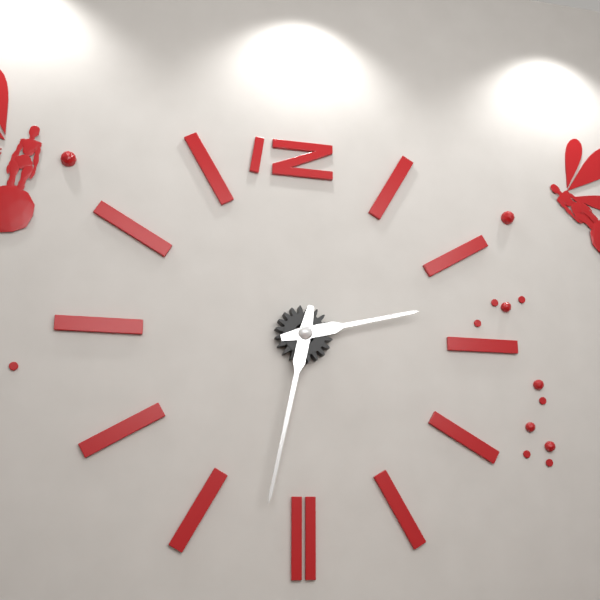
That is 2 h 32 min
